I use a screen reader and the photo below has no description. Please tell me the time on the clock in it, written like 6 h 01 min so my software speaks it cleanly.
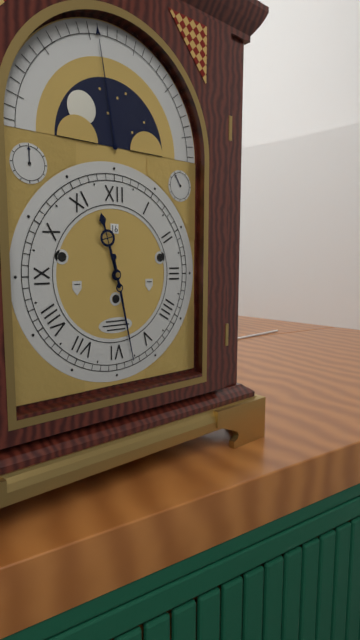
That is 11 h 28 min
